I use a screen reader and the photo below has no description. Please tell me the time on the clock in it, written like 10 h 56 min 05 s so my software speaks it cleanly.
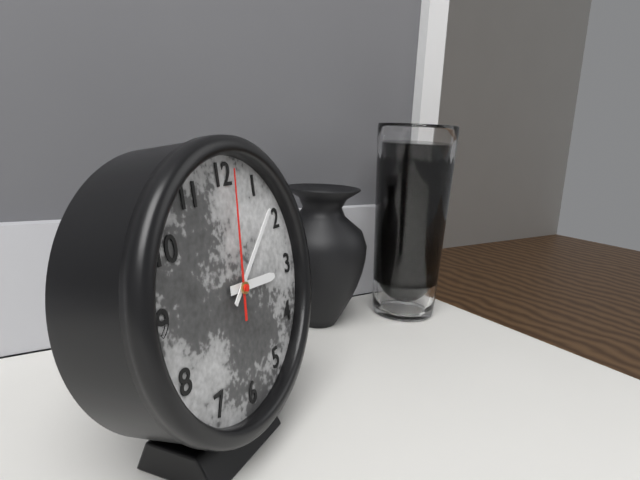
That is 3 h 08 min 01 s
